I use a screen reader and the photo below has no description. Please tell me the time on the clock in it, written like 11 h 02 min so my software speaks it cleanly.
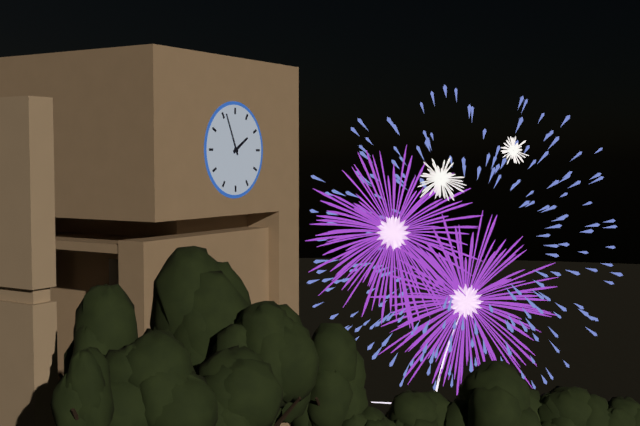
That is 1 h 56 min
